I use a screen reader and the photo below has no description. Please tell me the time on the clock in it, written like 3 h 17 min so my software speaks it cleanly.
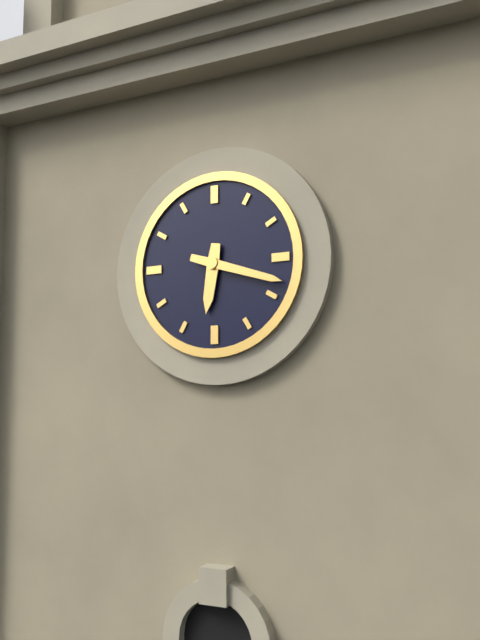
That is 6 h 18 min
